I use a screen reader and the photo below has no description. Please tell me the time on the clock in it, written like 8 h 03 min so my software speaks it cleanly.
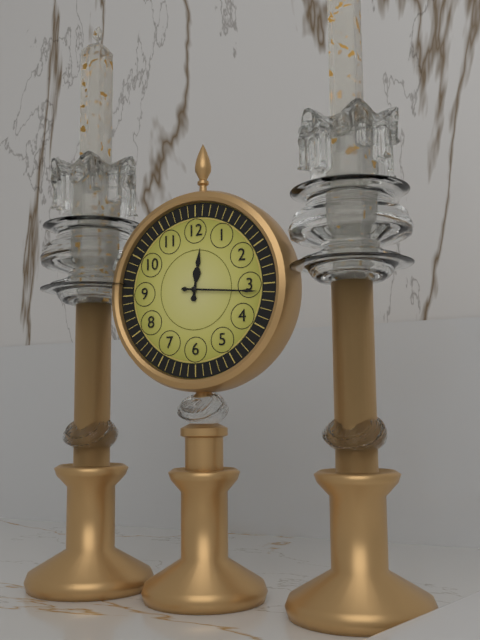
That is 12 h 16 min
